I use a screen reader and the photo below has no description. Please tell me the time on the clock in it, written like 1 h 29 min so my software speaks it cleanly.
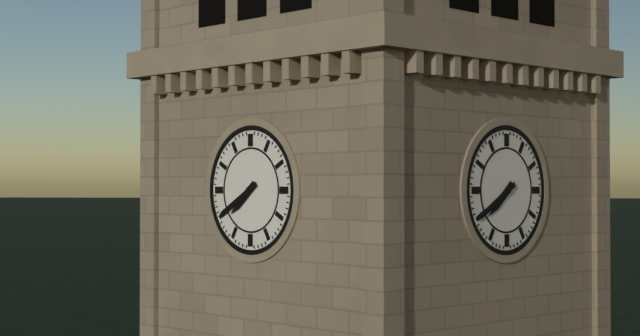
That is 7 h 40 min
